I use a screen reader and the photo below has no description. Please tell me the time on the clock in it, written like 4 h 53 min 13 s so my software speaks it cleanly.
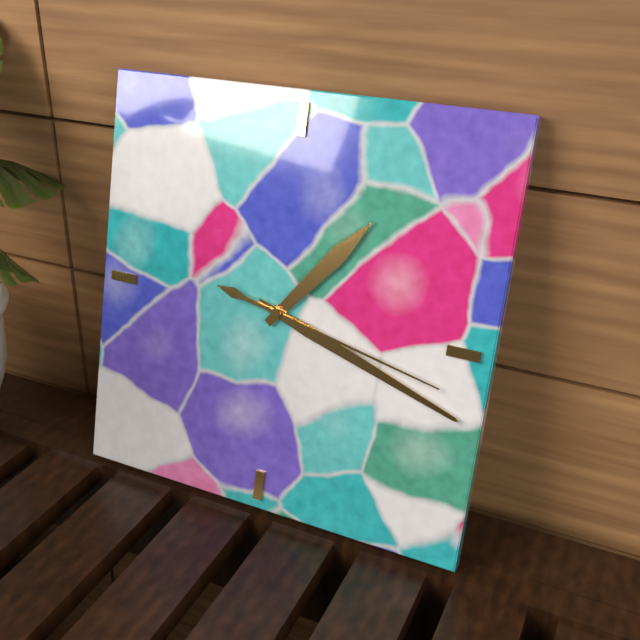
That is 1 h 18 min 17 s
